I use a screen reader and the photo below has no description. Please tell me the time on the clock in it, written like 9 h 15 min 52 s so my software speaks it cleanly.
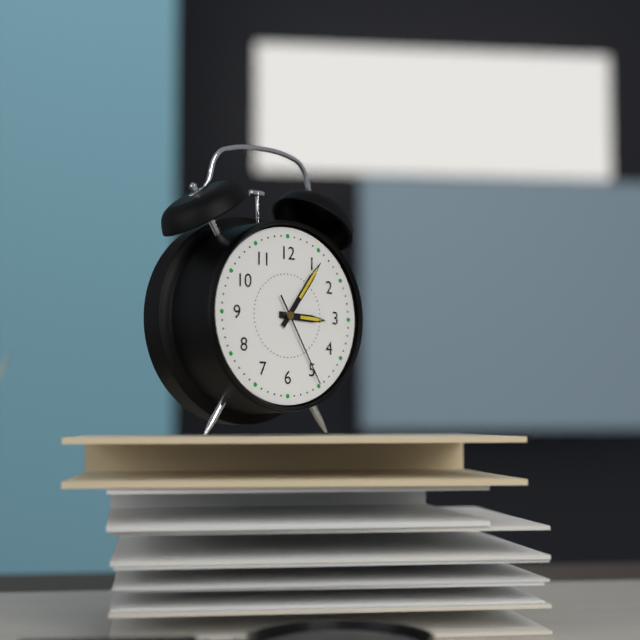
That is 3 h 06 min 25 s
